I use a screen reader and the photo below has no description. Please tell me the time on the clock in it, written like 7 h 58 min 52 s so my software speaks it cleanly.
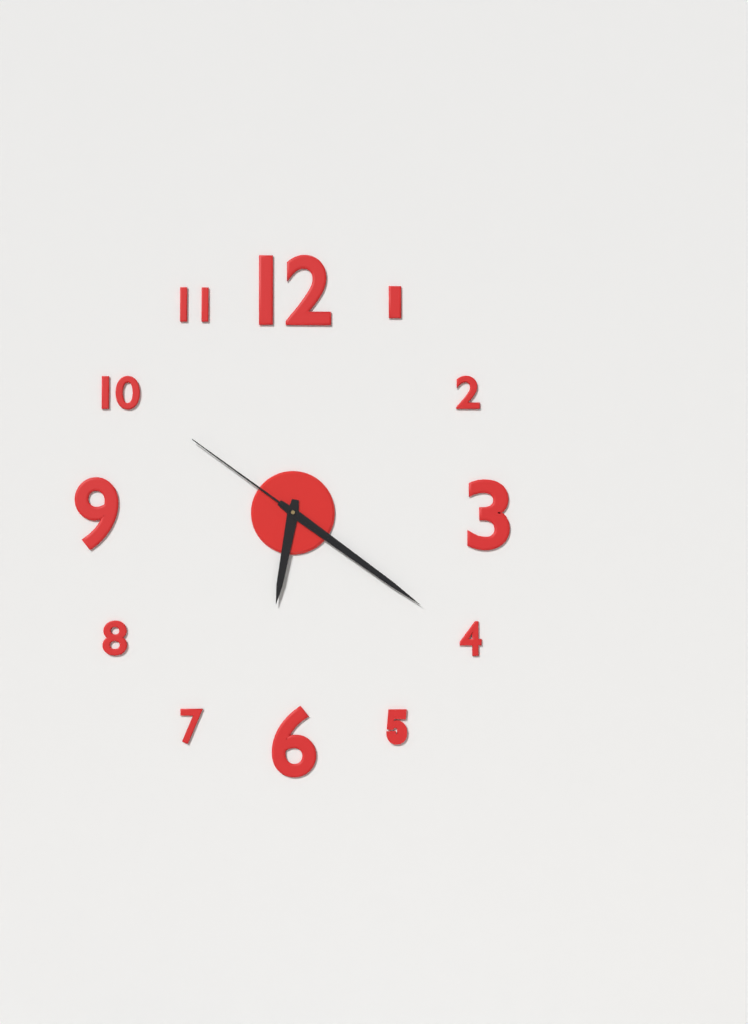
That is 6 h 21 min 51 s
